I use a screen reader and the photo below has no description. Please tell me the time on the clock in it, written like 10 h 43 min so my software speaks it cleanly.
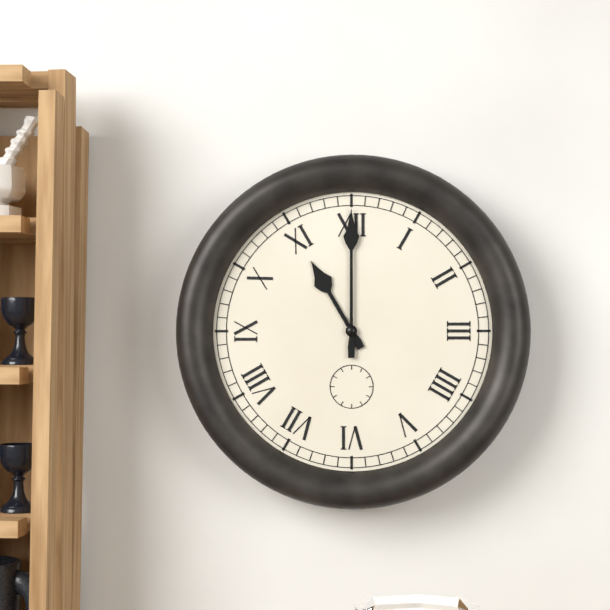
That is 11 h 00 min
